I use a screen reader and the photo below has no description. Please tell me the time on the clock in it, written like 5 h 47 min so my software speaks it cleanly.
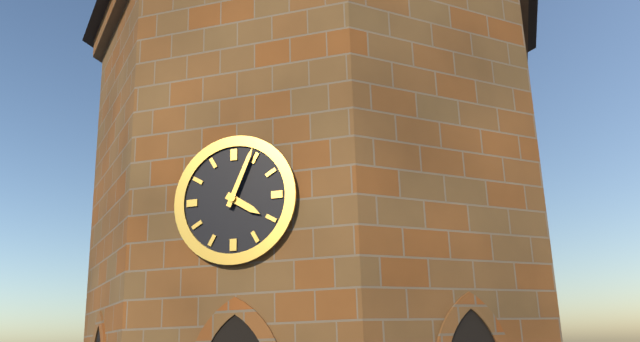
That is 4 h 04 min
